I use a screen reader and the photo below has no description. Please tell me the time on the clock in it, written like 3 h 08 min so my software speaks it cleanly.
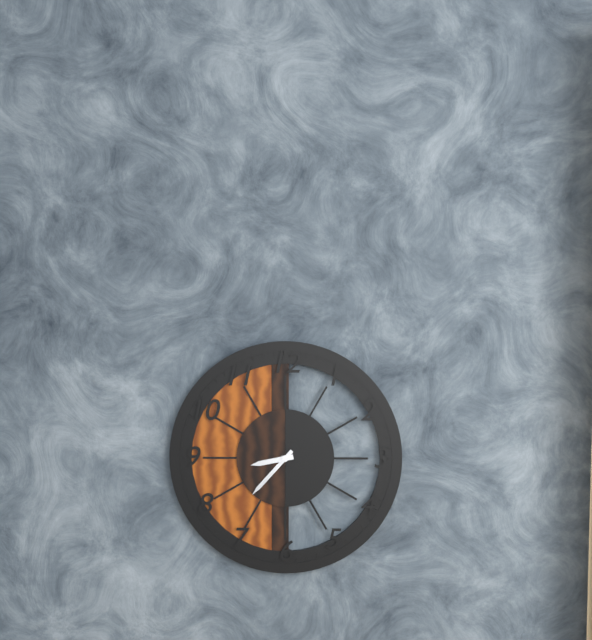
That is 8 h 37 min
